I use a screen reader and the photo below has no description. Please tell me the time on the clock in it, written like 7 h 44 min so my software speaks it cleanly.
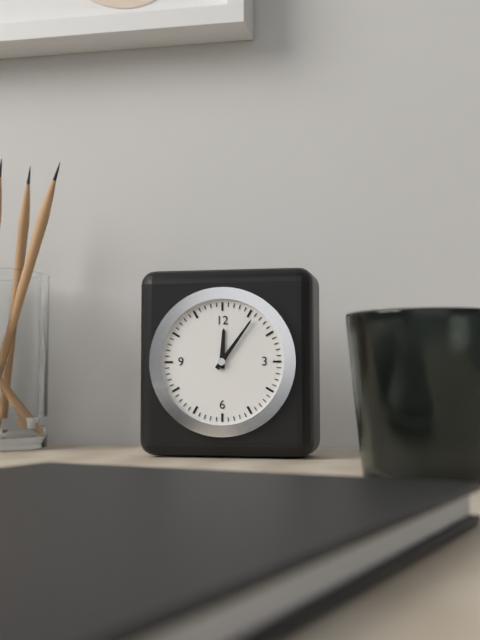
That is 12 h 06 min
